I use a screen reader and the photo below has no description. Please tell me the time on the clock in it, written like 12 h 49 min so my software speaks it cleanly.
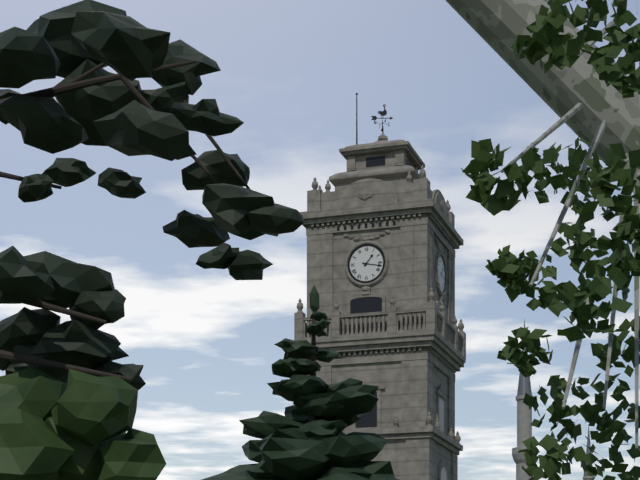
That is 1 h 17 min
